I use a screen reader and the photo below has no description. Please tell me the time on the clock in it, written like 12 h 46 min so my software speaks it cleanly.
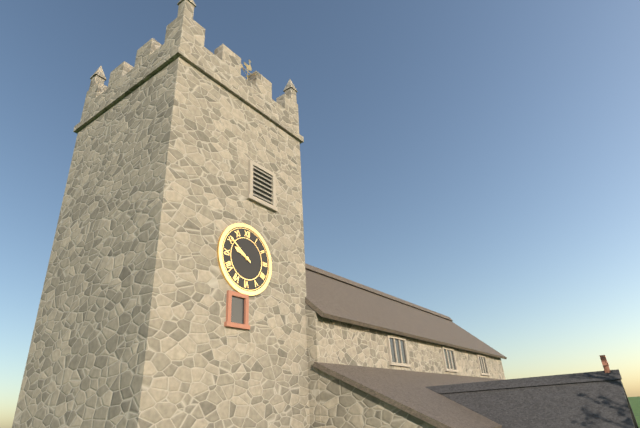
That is 9 h 51 min
